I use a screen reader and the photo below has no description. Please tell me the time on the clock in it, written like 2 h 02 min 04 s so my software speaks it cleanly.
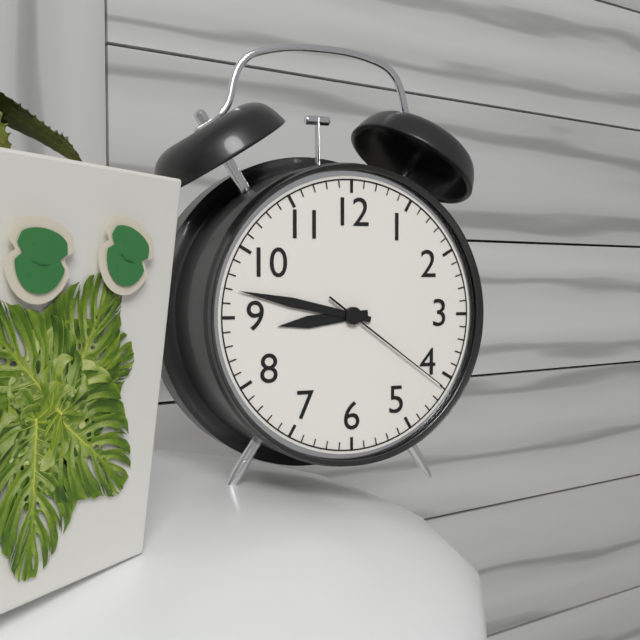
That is 8 h 47 min 21 s
